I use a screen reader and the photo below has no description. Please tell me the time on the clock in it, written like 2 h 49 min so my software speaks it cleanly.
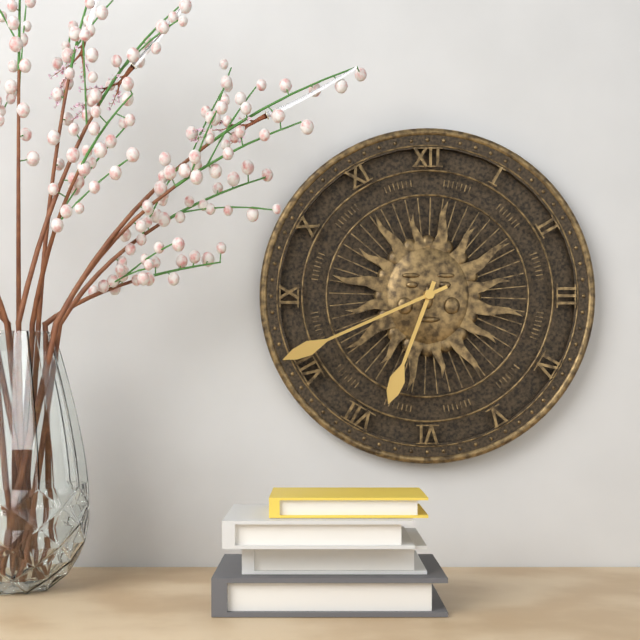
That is 6 h 41 min
